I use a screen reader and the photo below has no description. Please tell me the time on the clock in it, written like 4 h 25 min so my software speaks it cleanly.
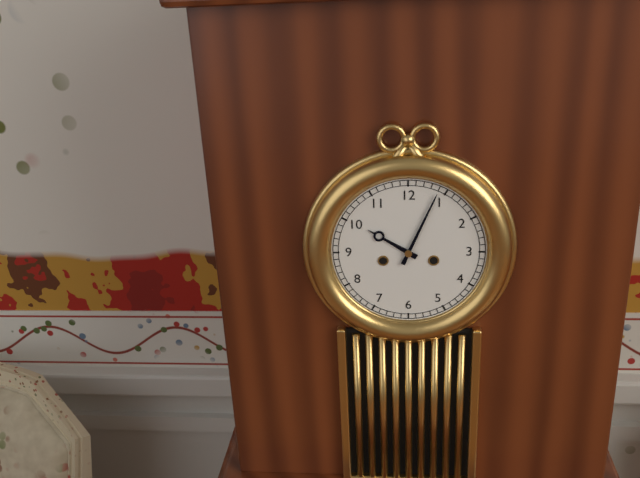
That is 10 h 04 min
